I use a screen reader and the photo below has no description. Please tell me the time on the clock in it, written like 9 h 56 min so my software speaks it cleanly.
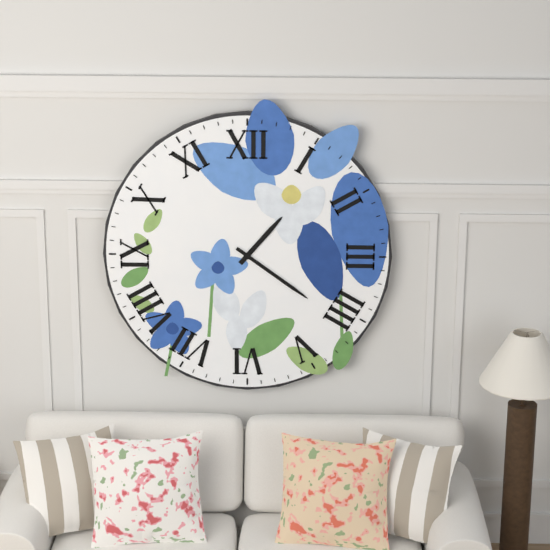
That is 1 h 21 min
